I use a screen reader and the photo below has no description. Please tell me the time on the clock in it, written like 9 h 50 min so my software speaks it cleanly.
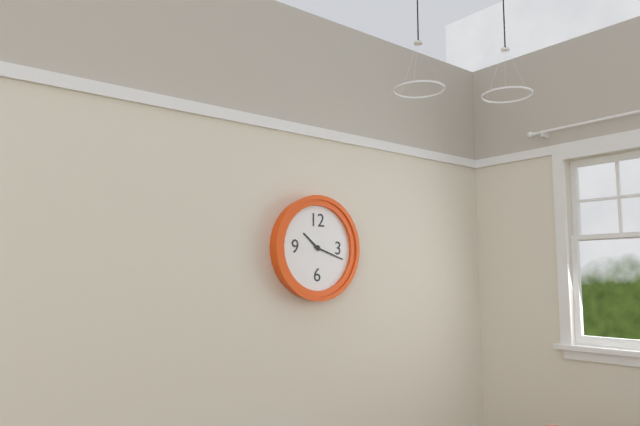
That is 10 h 18 min
